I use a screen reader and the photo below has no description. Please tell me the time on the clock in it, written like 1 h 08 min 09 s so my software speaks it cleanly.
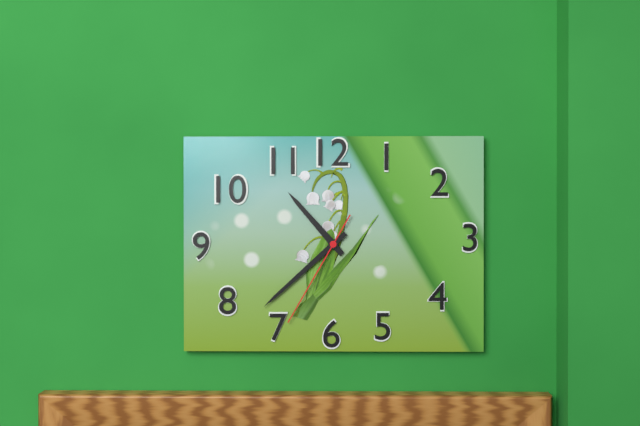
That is 10 h 38 min 35 s
